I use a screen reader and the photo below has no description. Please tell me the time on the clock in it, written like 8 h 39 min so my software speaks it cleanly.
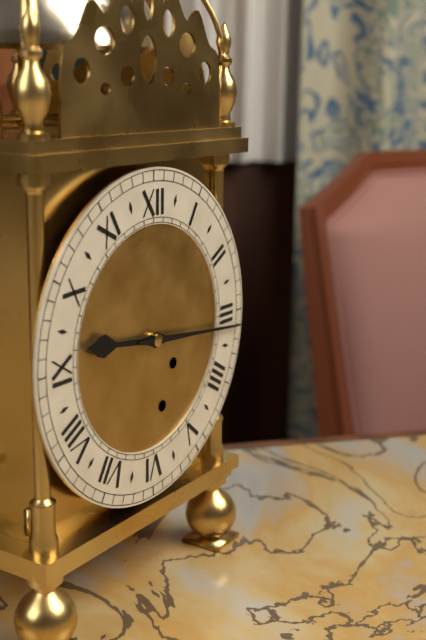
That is 9 h 16 min
